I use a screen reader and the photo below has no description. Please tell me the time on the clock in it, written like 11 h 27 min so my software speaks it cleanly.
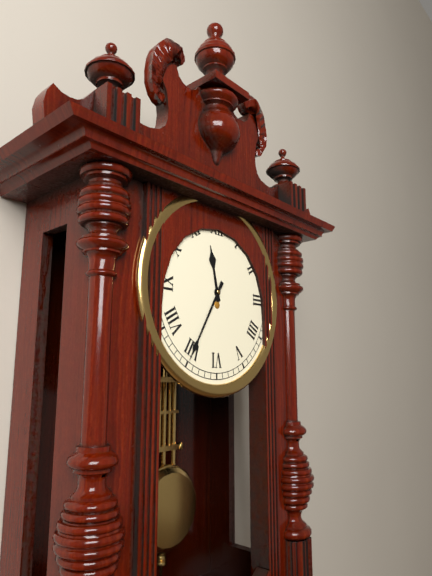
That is 11 h 35 min
